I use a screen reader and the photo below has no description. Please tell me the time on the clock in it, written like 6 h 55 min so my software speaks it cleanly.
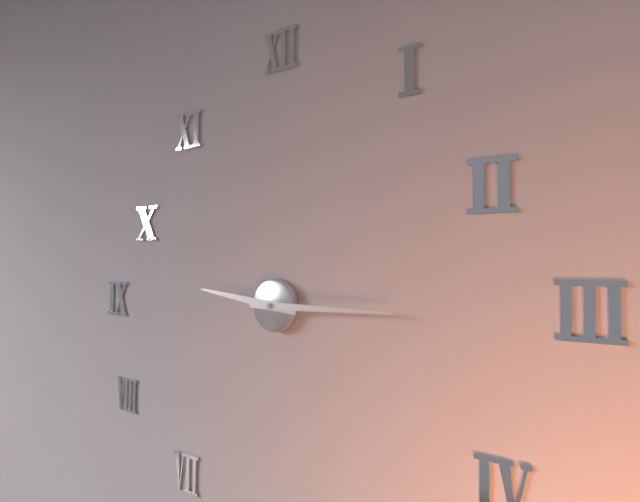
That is 9 h 15 min
